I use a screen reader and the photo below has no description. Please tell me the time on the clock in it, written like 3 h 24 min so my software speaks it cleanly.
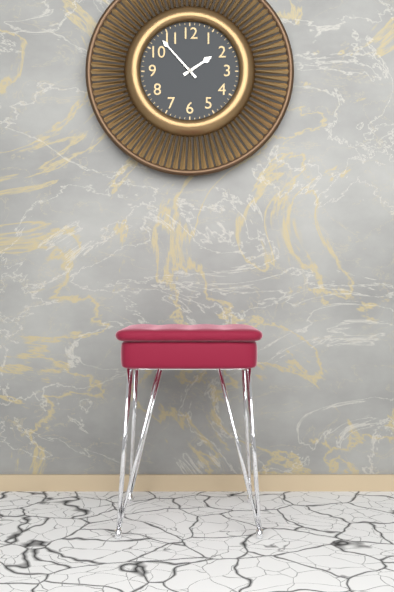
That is 1 h 53 min
